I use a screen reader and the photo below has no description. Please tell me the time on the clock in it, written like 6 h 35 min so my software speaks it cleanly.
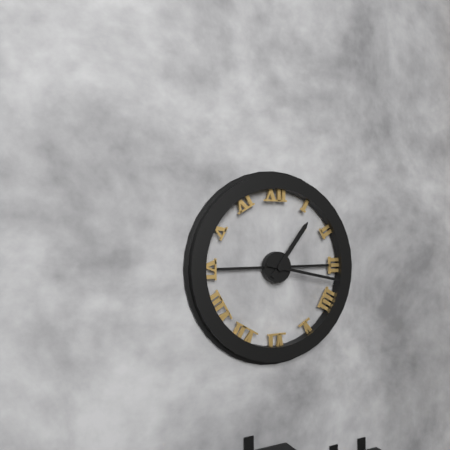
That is 1 h 17 min
